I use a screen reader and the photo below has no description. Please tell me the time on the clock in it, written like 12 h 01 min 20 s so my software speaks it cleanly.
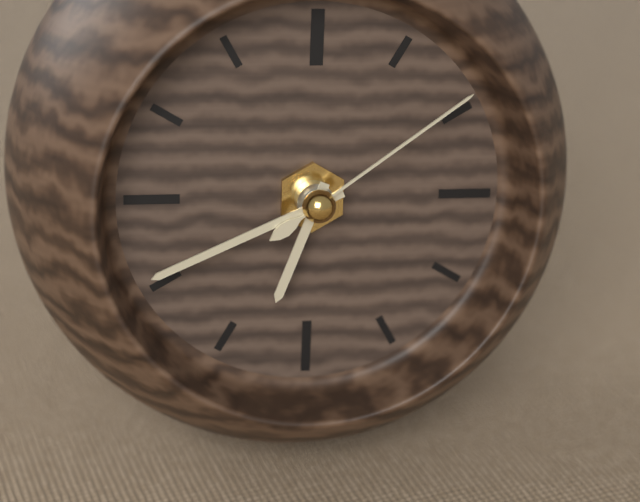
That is 6 h 41 min 09 s
